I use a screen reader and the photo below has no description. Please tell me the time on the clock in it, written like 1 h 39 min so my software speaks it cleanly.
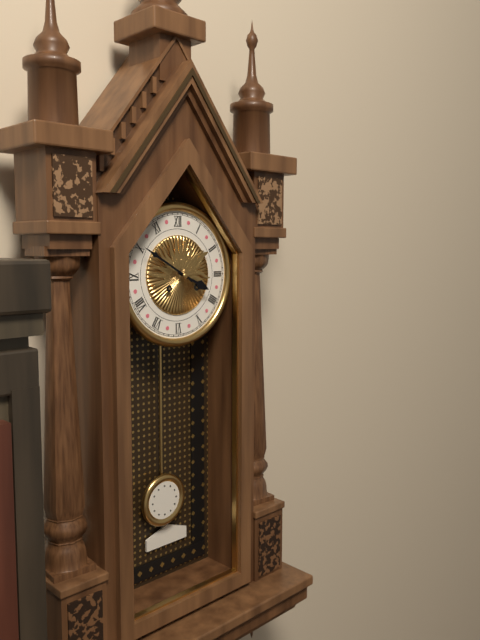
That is 3 h 50 min
